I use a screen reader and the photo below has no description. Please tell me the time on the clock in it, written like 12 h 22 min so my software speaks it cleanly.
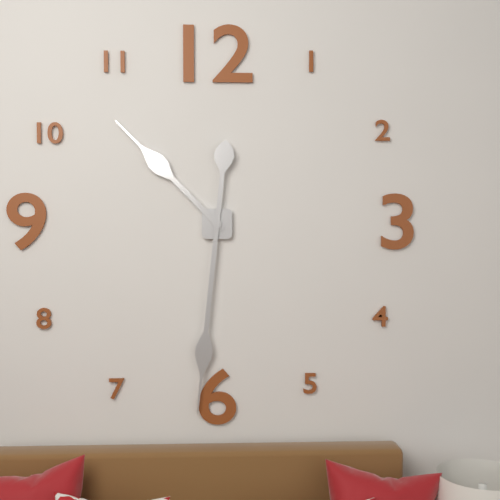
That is 10 h 31 min
